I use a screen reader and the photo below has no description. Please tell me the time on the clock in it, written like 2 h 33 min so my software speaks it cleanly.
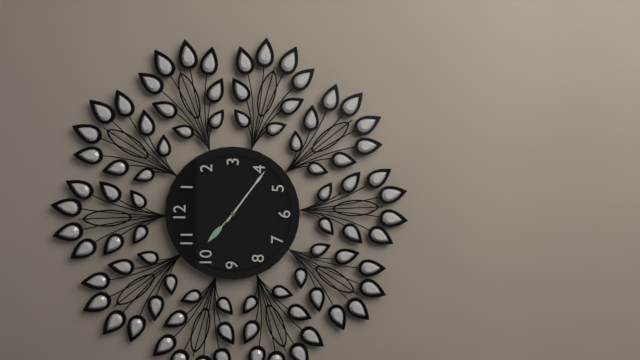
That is 10 h 21 min
